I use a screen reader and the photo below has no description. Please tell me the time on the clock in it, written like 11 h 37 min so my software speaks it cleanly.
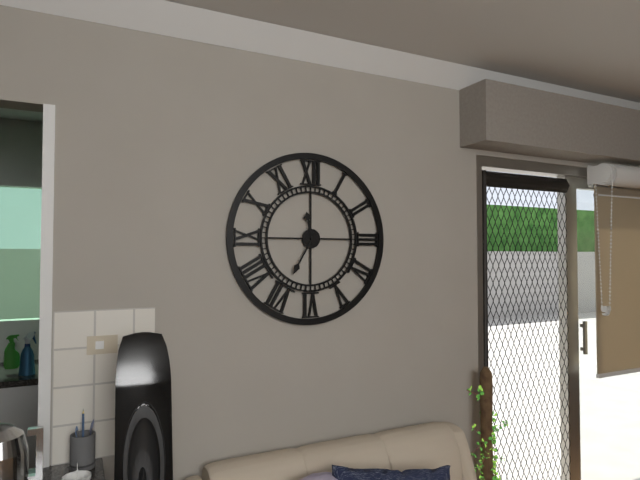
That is 11 h 35 min
